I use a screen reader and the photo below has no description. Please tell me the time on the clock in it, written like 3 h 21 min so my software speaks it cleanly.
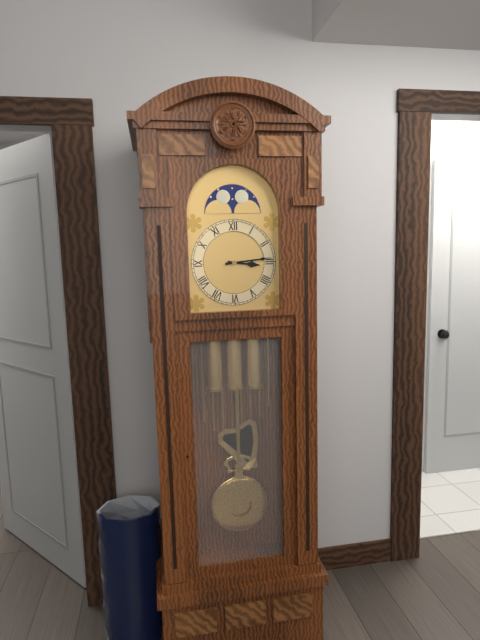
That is 3 h 14 min
